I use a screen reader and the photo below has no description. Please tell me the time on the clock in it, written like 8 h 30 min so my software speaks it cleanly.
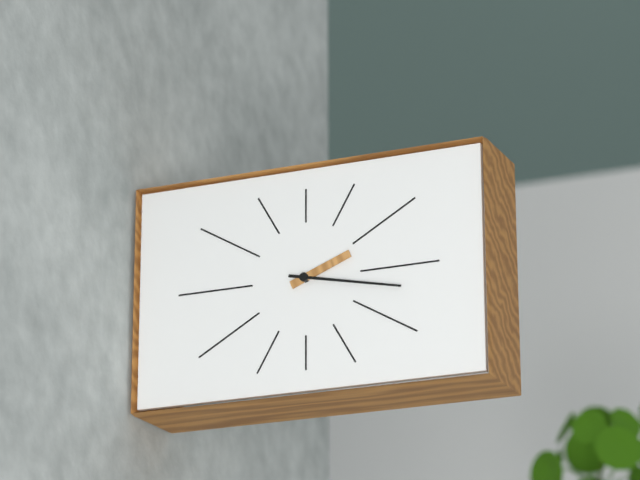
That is 2 h 17 min
